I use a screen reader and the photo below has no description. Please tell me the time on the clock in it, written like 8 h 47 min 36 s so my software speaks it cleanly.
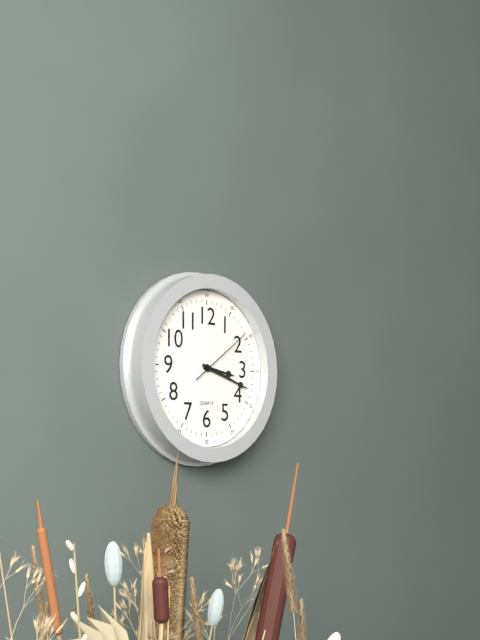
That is 3 h 18 min 09 s
